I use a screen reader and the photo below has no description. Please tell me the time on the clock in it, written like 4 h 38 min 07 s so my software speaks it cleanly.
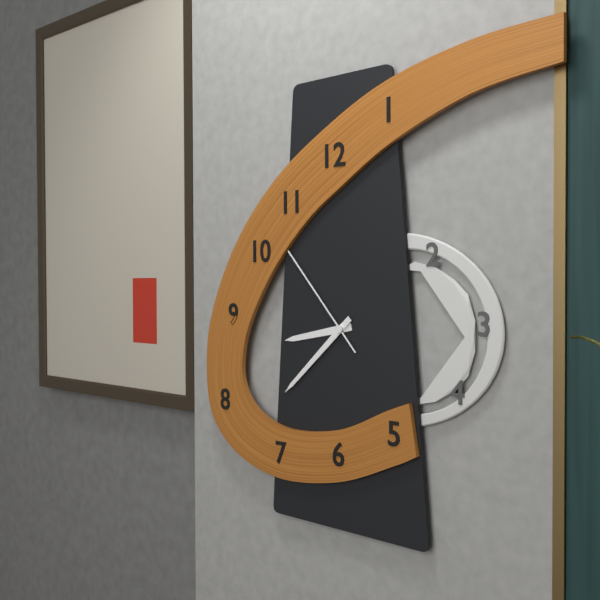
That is 8 h 38 min 53 s
